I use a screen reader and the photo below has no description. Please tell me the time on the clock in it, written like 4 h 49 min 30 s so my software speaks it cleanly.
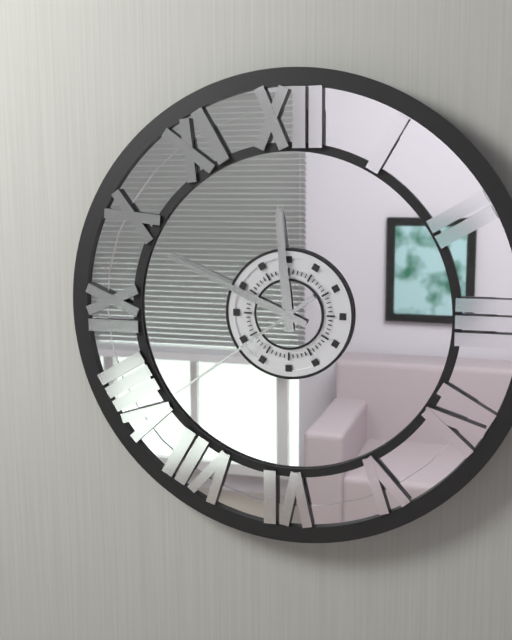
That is 11 h 49 min 39 s
